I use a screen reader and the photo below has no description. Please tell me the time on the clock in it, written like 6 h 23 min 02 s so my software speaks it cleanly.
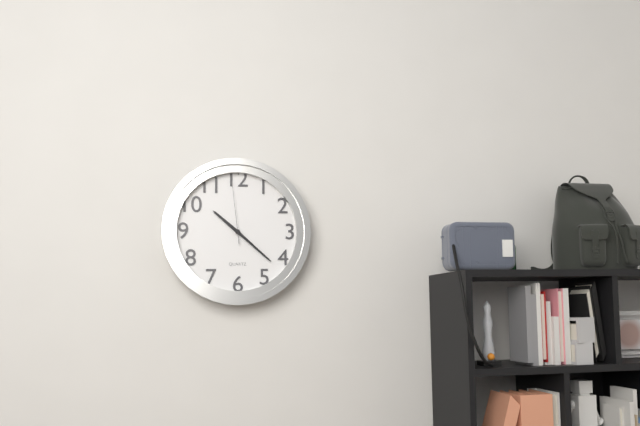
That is 10 h 22 min 59 s
